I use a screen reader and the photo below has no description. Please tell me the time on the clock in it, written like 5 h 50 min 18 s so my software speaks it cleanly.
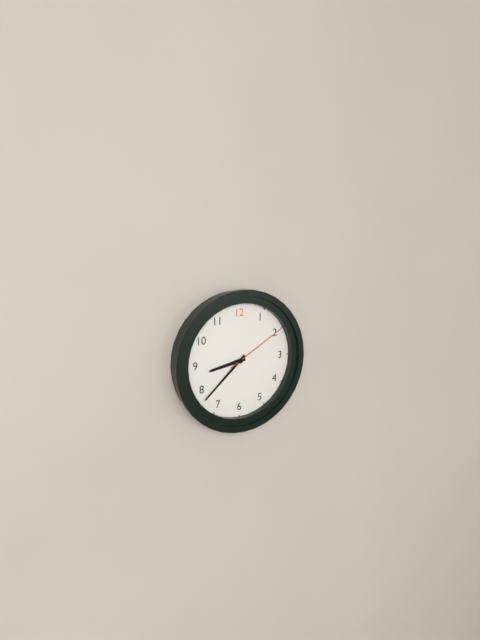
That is 8 h 38 min 10 s
